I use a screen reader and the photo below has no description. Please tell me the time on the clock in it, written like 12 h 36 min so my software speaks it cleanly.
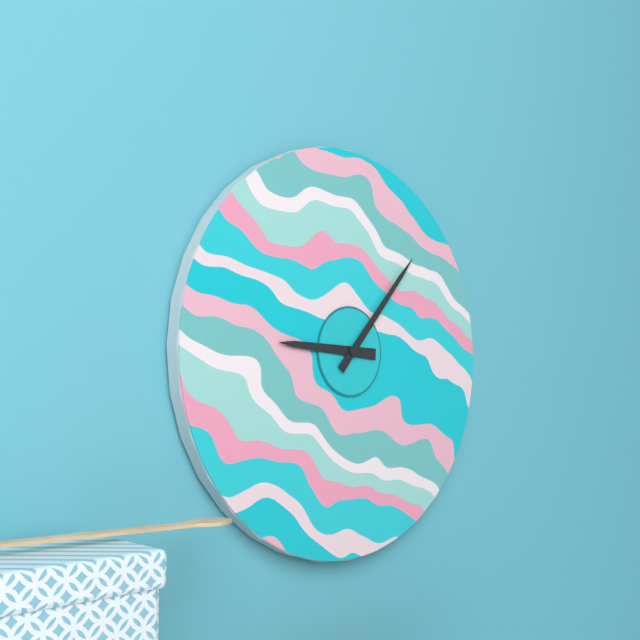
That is 9 h 07 min
